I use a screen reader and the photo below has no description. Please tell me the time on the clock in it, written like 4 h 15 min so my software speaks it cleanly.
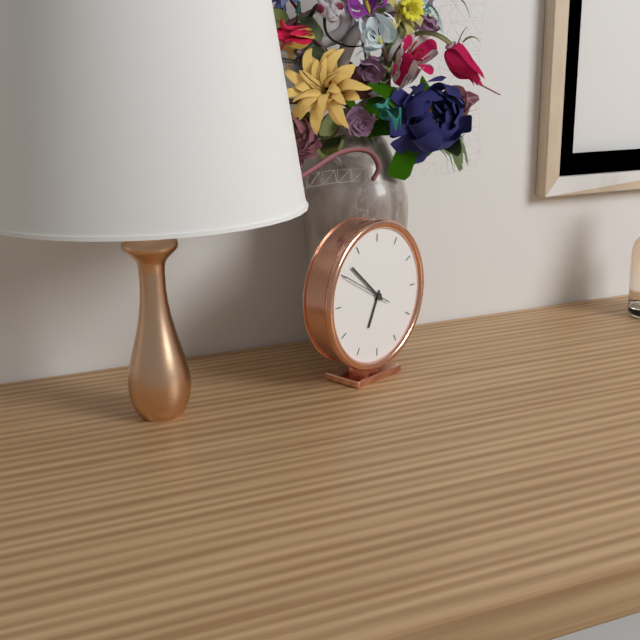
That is 6 h 52 min
